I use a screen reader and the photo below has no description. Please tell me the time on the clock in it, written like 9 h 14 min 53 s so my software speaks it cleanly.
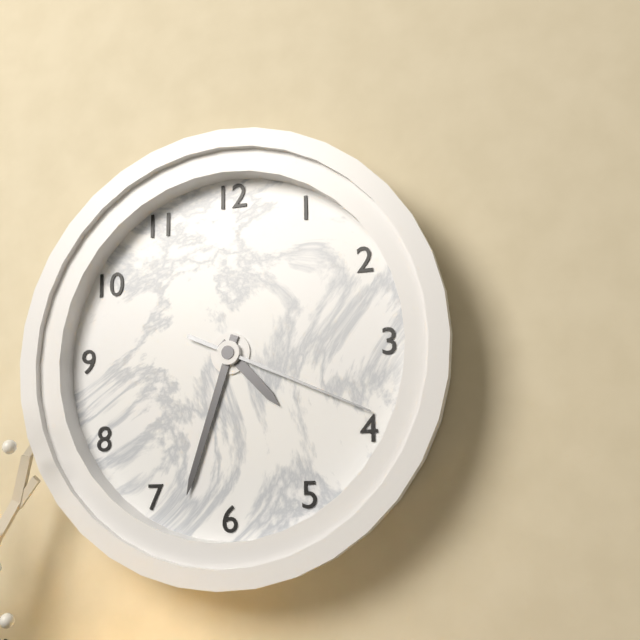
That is 4 h 33 min 19 s
